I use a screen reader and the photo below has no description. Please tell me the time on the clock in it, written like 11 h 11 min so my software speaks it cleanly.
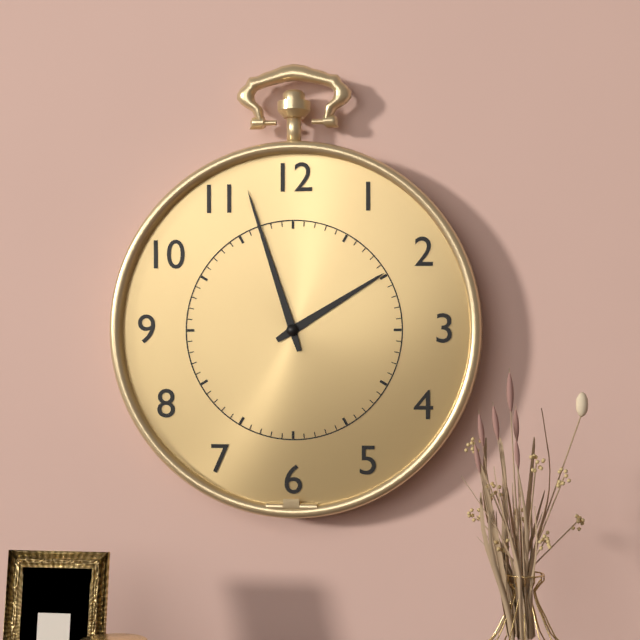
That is 1 h 57 min
